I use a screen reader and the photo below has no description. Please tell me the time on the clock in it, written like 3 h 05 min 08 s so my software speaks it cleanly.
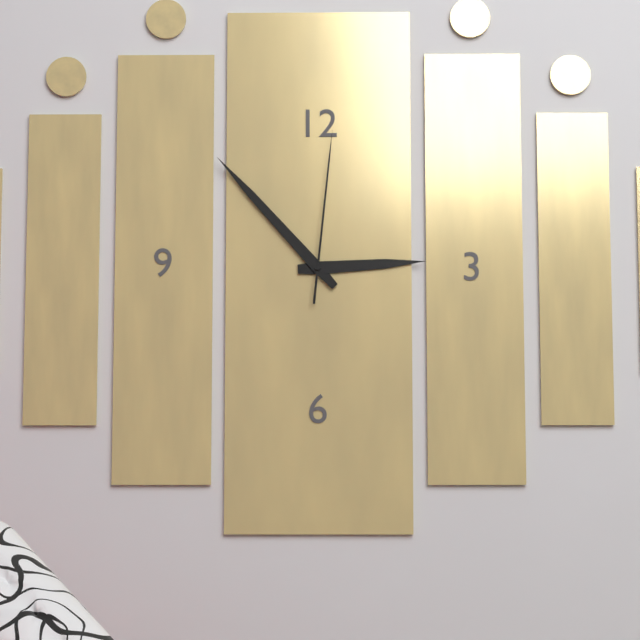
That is 2 h 53 min 01 s
